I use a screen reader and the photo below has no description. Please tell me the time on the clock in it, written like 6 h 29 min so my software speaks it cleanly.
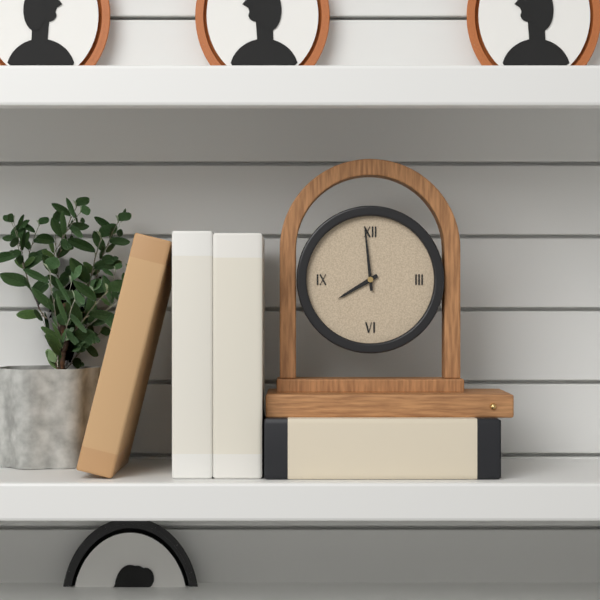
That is 7 h 59 min
